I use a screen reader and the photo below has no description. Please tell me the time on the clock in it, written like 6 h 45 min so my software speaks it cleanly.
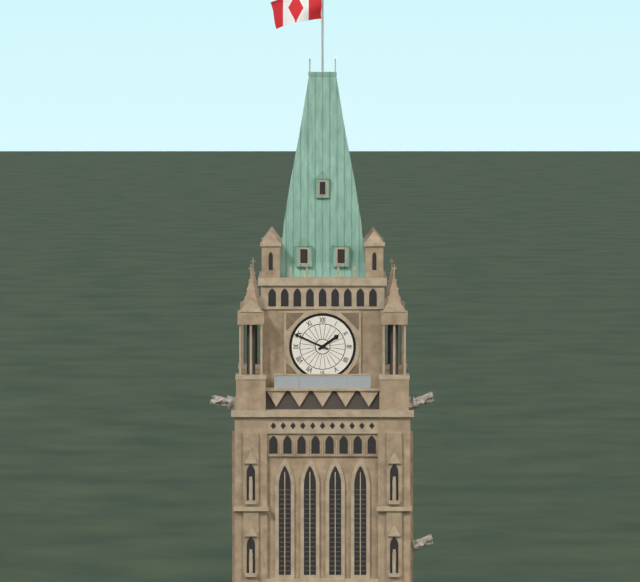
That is 1 h 49 min
